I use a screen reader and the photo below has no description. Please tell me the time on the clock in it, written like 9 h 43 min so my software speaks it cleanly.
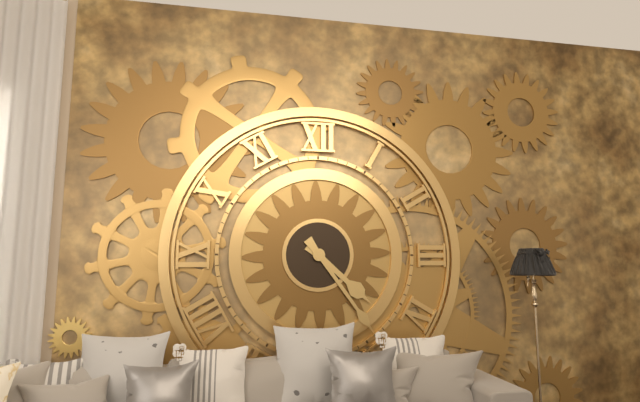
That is 4 h 24 min
